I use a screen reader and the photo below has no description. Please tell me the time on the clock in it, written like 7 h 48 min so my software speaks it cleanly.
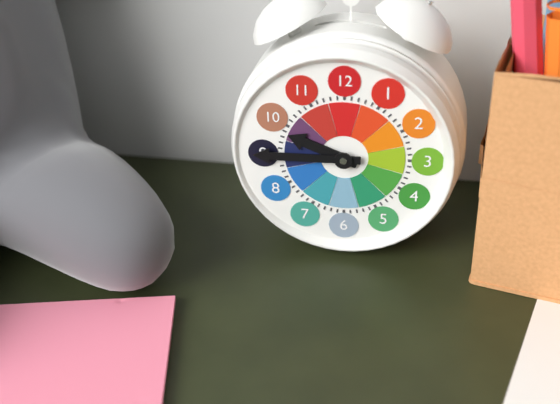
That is 9 h 45 min
